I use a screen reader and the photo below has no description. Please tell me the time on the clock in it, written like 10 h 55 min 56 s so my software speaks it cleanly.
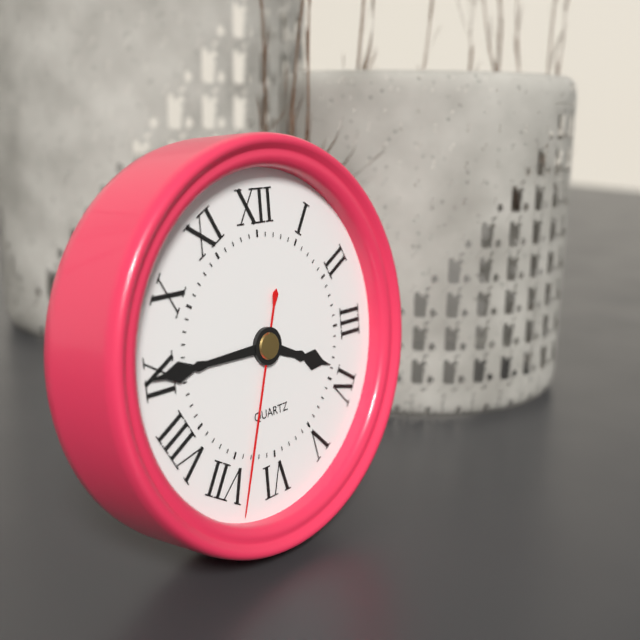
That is 3 h 45 min 33 s
